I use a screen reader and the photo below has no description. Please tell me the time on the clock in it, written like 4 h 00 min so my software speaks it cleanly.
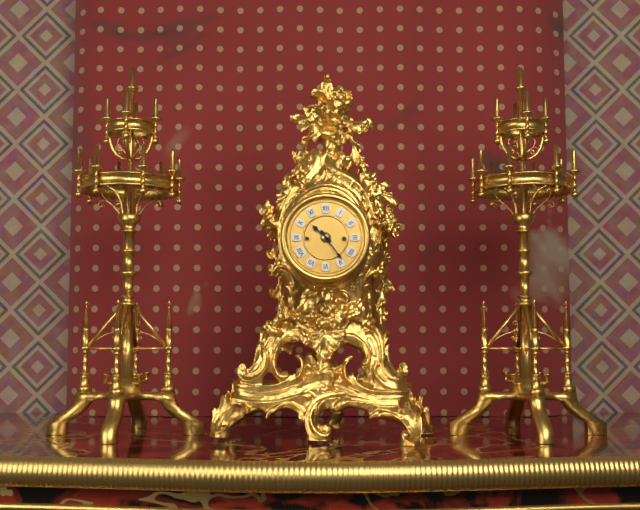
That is 10 h 24 min
